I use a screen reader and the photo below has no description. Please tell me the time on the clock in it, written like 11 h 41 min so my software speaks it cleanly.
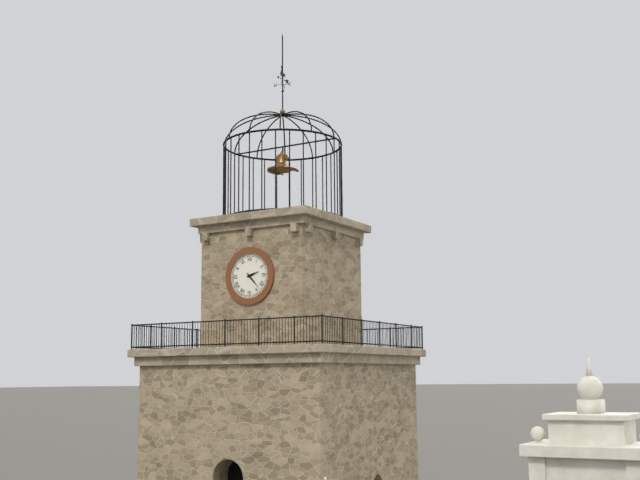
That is 2 h 23 min
